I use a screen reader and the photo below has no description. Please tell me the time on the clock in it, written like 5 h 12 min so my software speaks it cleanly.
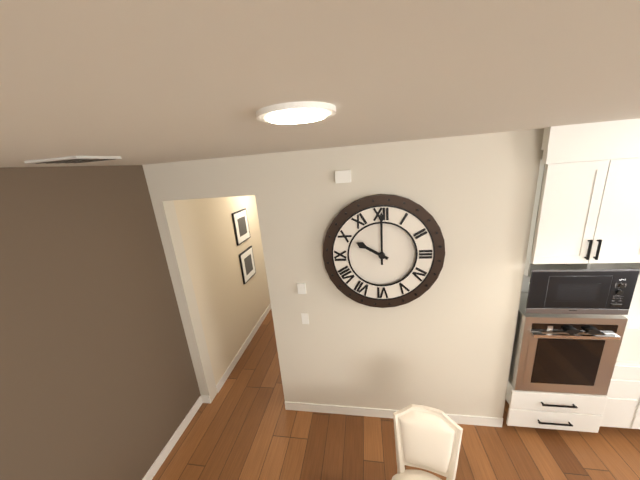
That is 10 h 00 min
